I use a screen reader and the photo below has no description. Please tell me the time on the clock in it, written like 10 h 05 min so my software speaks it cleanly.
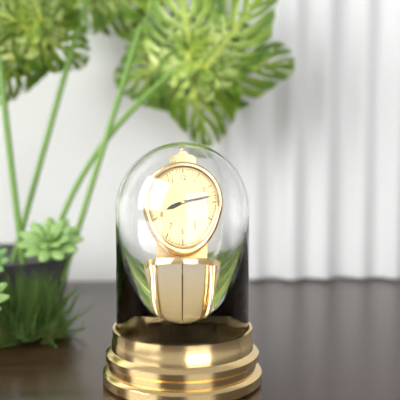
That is 8 h 13 min
